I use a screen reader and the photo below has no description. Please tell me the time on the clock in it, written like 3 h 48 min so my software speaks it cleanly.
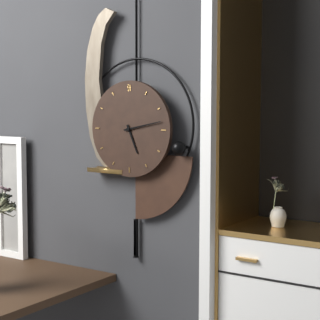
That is 5 h 13 min
